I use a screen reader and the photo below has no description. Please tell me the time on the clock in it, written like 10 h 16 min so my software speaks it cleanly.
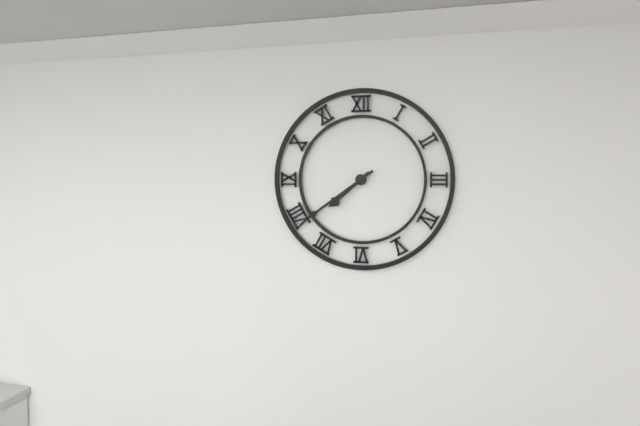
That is 7 h 39 min
